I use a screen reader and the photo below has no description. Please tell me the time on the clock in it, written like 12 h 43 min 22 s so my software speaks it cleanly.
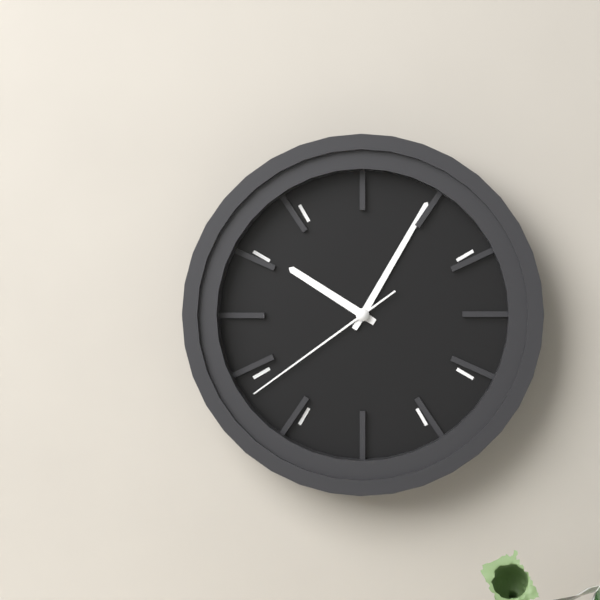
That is 10 h 05 min 39 s
